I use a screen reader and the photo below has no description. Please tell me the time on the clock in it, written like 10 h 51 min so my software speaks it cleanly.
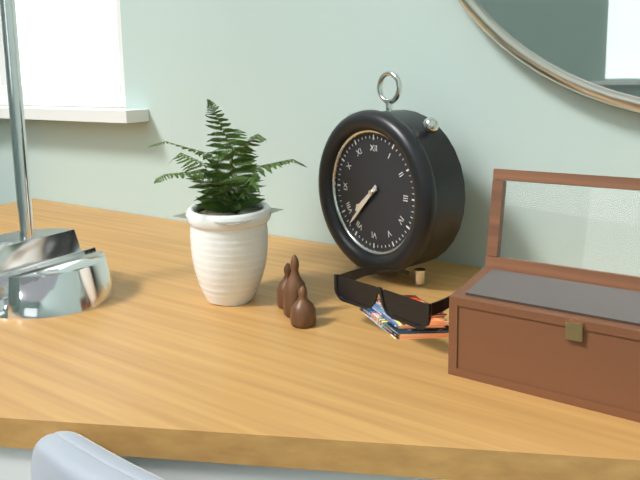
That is 7 h 37 min
